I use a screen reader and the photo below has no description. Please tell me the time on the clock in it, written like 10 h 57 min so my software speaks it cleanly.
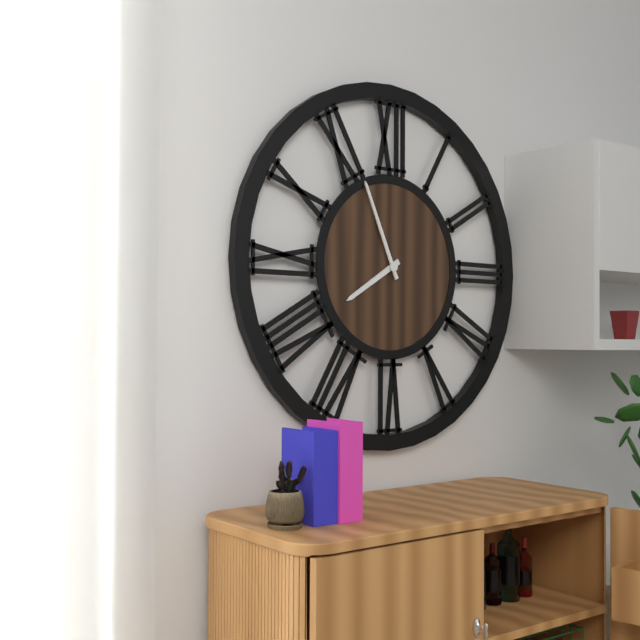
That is 7 h 56 min
